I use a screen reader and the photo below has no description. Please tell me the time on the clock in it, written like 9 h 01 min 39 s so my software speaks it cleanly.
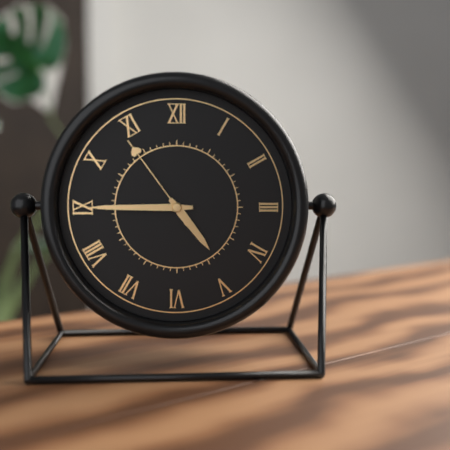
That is 4 h 45 min 54 s
